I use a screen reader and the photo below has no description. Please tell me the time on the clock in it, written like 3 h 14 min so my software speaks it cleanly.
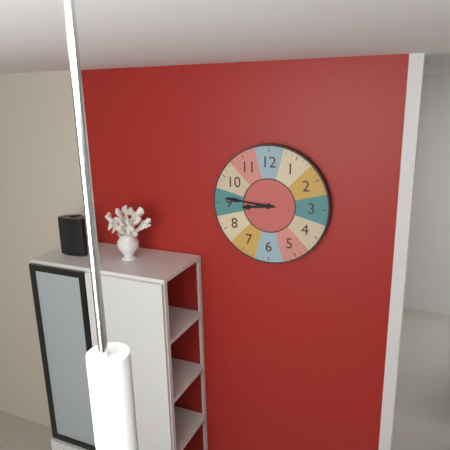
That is 8 h 46 min
